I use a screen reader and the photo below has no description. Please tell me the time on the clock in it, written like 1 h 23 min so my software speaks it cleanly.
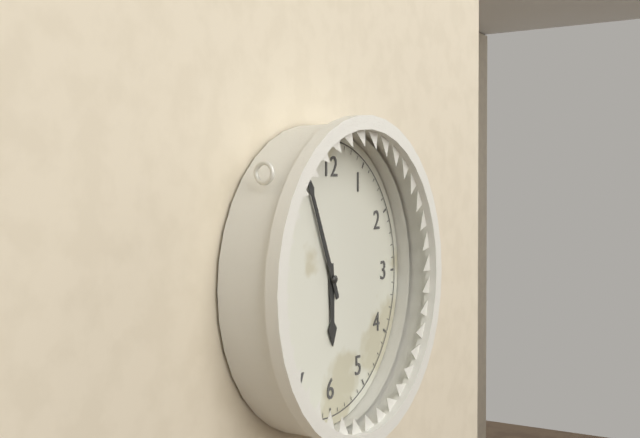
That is 5 h 56 min
